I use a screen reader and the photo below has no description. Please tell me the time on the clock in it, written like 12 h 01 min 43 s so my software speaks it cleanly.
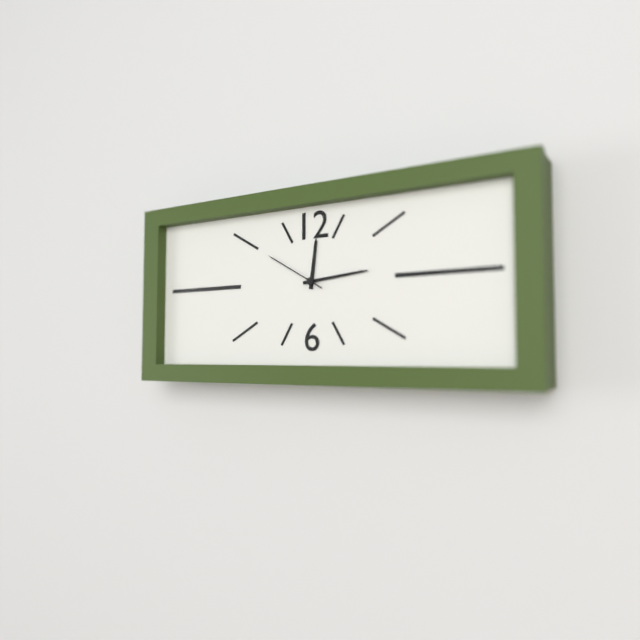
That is 12 h 14 min 50 s
